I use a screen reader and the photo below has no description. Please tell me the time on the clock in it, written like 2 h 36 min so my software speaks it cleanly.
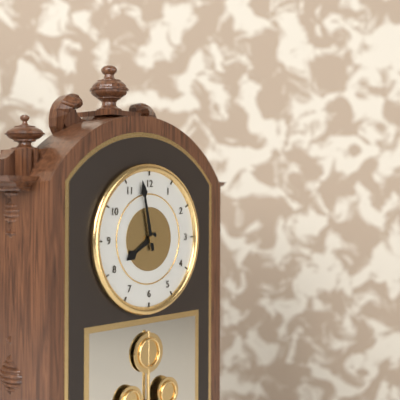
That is 7 h 58 min
